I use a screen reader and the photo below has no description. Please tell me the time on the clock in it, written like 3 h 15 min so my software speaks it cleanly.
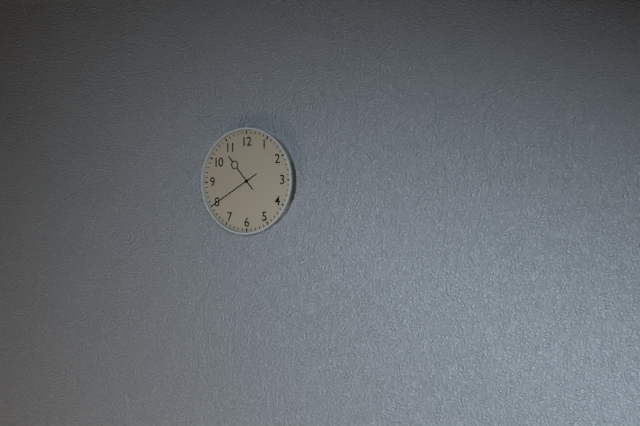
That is 10 h 40 min
